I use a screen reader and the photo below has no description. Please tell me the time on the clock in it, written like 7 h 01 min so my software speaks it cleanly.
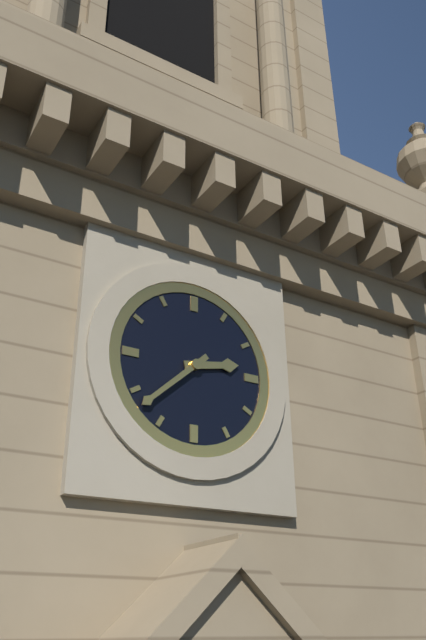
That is 2 h 38 min
